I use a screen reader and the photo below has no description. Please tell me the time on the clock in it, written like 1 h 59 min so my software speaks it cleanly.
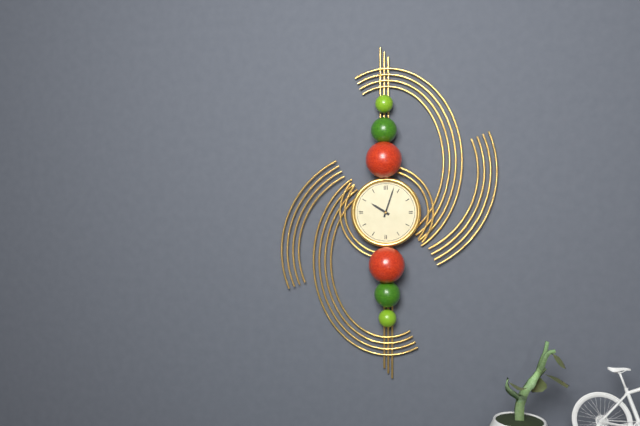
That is 10 h 03 min
